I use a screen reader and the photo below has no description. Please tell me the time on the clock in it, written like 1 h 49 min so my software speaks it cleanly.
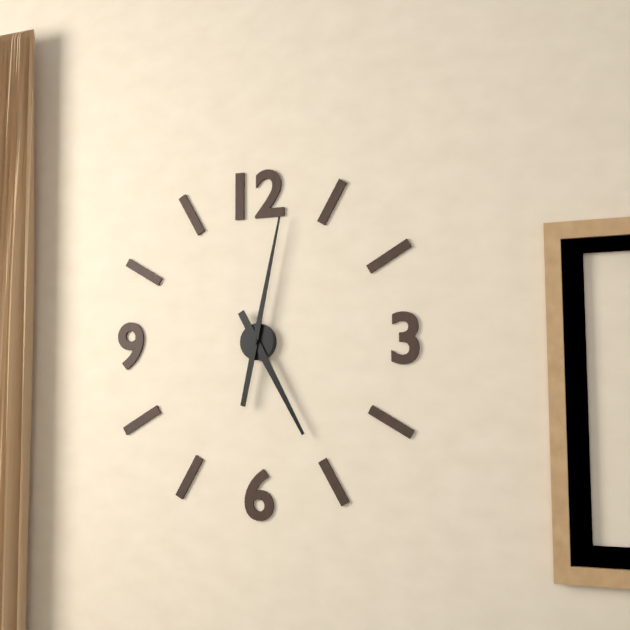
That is 5 h 02 min
